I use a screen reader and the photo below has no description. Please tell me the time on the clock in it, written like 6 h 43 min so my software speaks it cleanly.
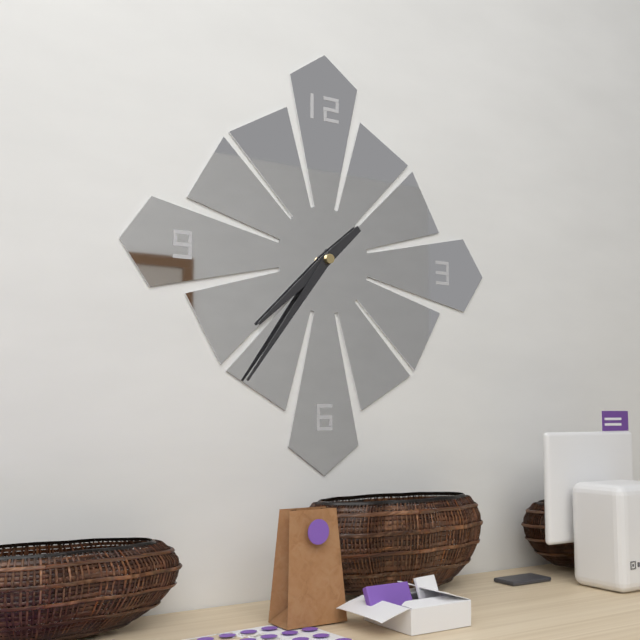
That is 7 h 36 min
